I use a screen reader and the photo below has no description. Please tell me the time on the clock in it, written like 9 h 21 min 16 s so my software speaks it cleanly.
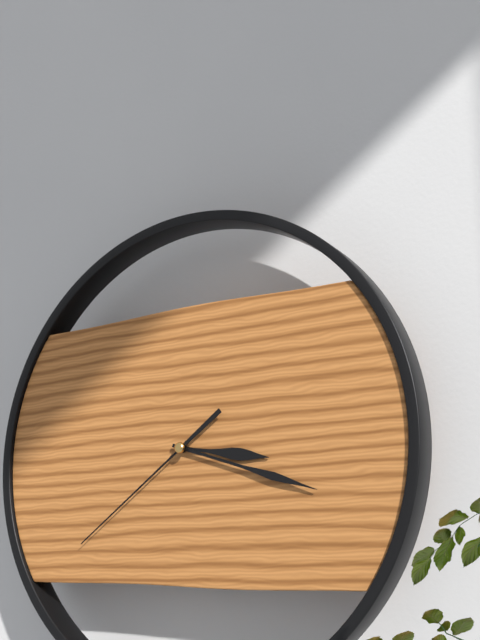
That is 3 h 18 min 39 s
